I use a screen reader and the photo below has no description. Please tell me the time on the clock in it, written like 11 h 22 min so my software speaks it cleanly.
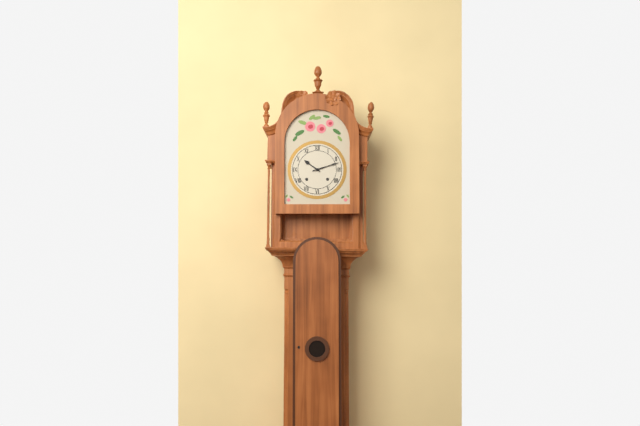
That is 10 h 12 min
